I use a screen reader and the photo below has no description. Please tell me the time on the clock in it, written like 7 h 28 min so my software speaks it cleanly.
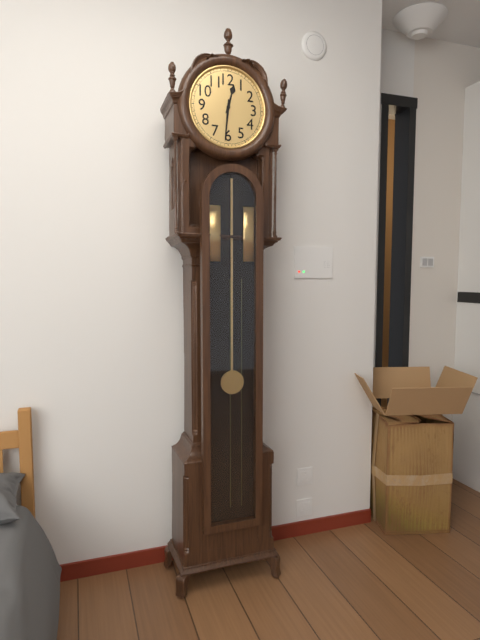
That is 12 h 31 min
